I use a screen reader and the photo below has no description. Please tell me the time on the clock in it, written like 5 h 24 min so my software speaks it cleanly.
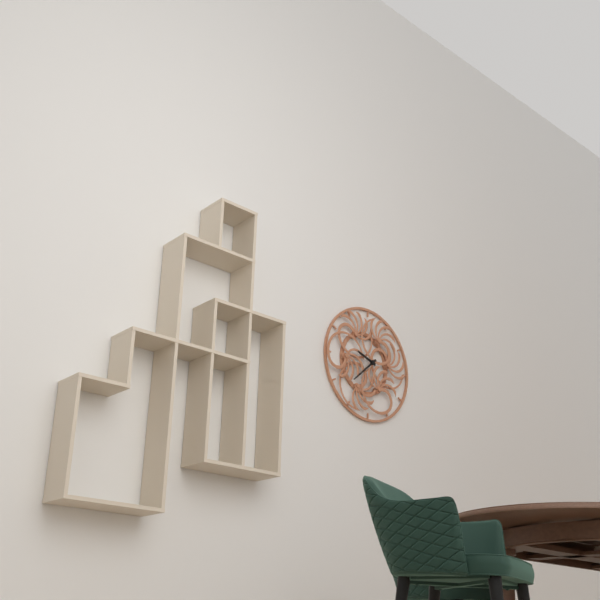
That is 9 h 38 min
